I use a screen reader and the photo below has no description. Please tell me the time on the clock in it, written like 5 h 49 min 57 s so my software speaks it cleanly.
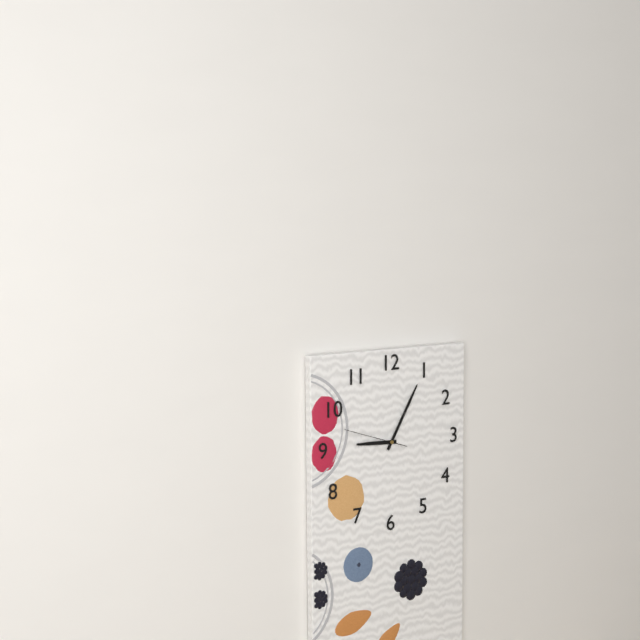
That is 9 h 05 min 48 s
